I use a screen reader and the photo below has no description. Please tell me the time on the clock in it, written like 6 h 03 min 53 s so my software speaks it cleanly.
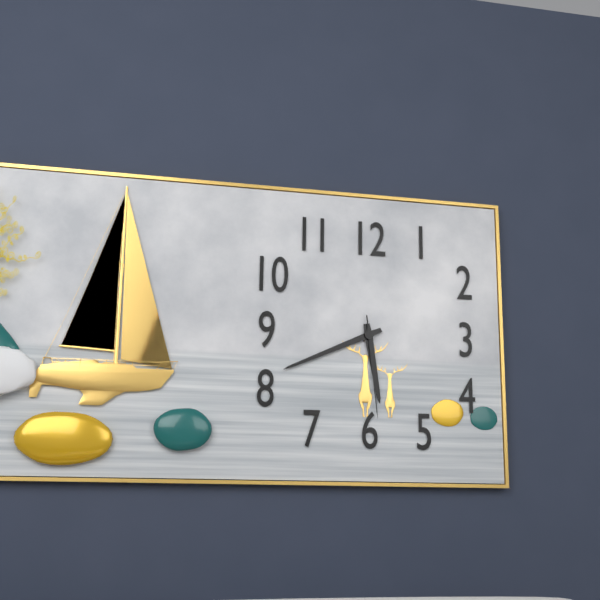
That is 5 h 41 min 29 s
